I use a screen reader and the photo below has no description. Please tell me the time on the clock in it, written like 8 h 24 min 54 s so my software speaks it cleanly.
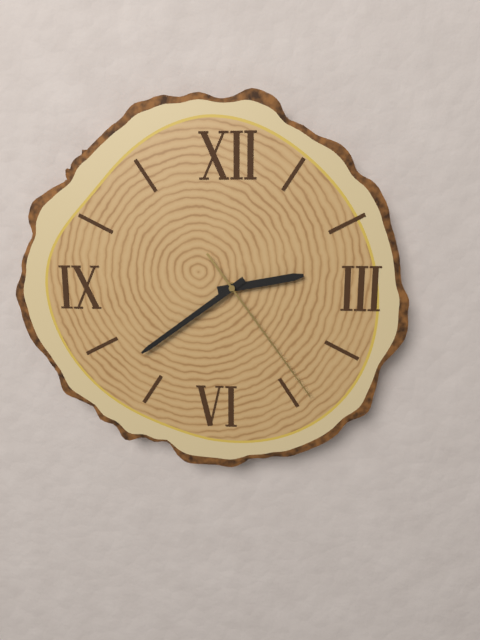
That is 2 h 39 min 24 s
